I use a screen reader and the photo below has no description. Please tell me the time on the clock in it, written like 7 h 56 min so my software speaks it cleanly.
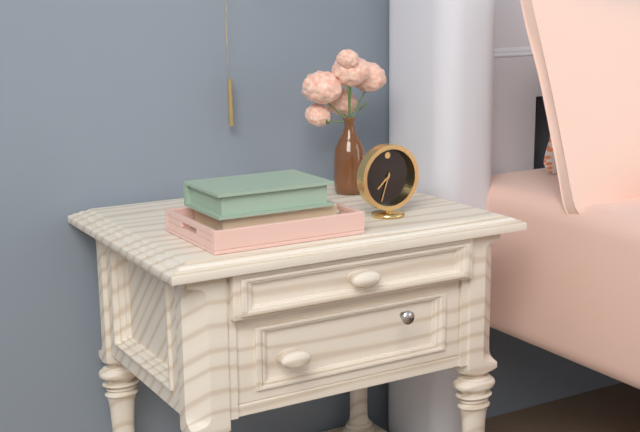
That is 7 h 33 min
